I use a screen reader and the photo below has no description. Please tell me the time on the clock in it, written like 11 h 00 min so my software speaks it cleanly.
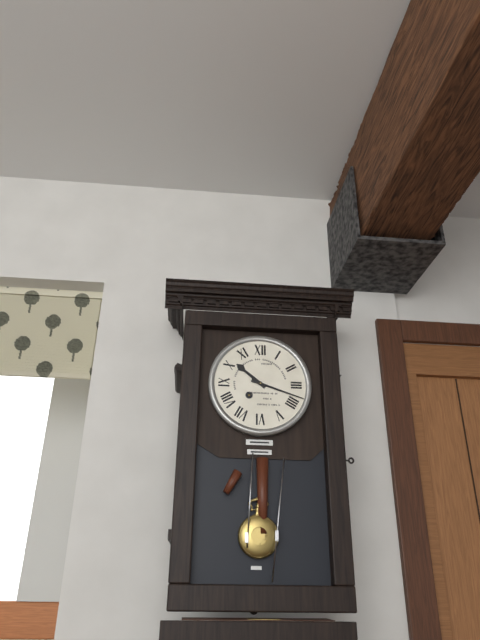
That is 10 h 18 min
